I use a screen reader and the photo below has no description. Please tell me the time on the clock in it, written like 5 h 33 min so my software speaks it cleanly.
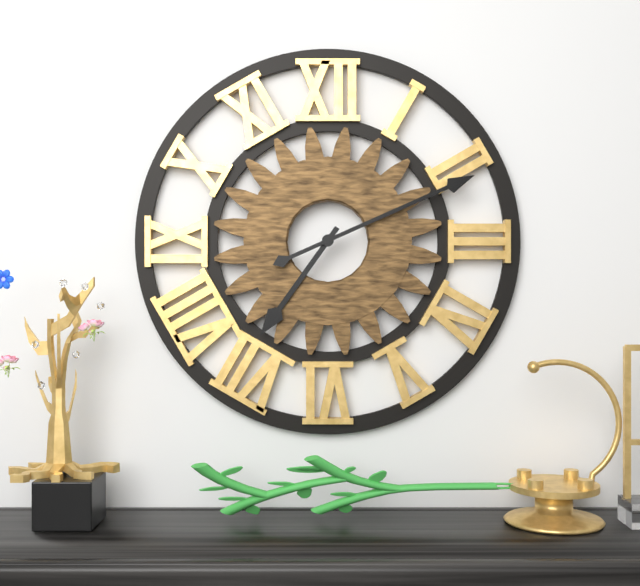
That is 7 h 11 min
